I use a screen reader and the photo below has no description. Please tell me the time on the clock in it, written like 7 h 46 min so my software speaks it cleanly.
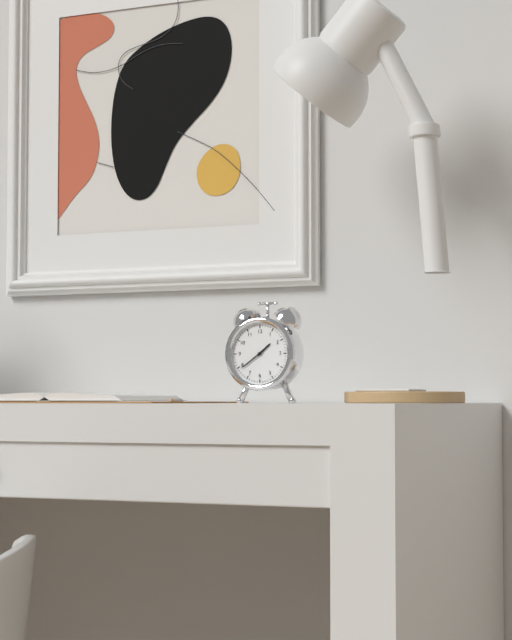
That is 1 h 39 min
